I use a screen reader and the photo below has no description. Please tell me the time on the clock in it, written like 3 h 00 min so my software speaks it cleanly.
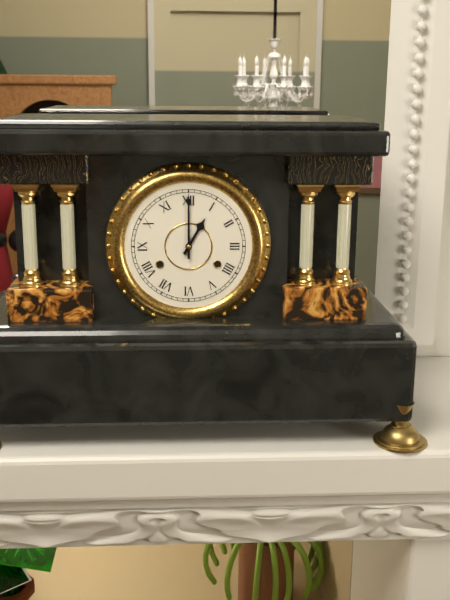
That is 1 h 00 min
